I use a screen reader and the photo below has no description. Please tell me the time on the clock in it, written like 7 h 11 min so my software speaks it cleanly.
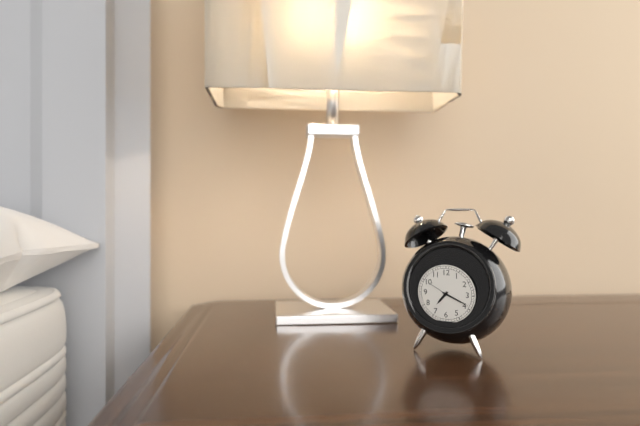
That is 7 h 19 min
